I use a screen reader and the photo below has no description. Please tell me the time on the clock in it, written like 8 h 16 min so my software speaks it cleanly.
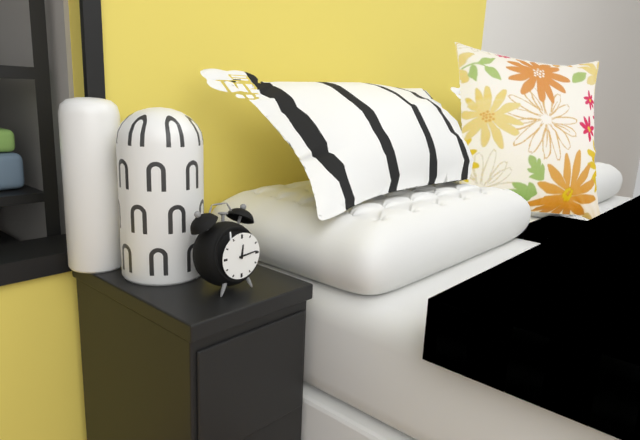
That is 12 h 14 min
